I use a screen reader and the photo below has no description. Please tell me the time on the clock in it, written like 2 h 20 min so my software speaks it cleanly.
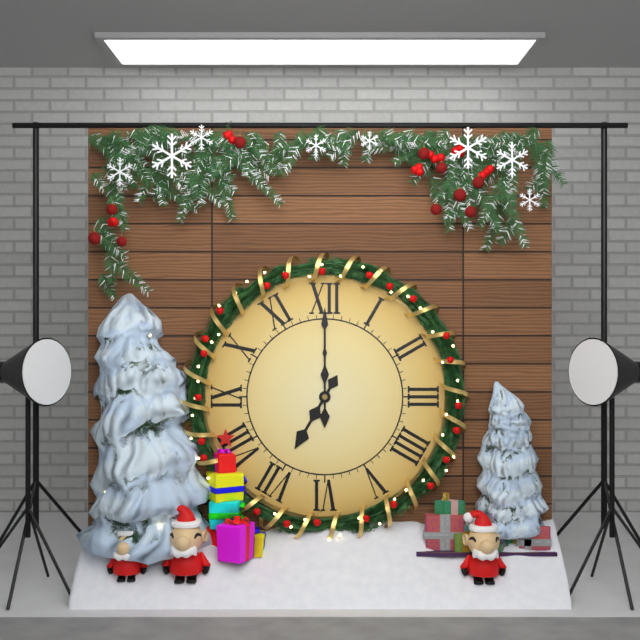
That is 7 h 00 min
